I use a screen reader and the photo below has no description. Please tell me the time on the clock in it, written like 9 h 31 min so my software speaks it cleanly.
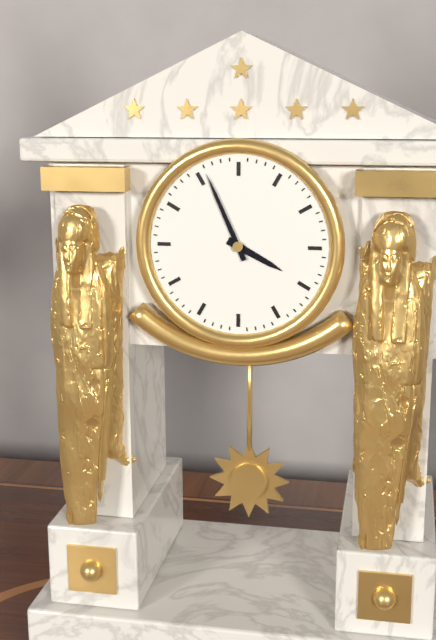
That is 3 h 56 min
